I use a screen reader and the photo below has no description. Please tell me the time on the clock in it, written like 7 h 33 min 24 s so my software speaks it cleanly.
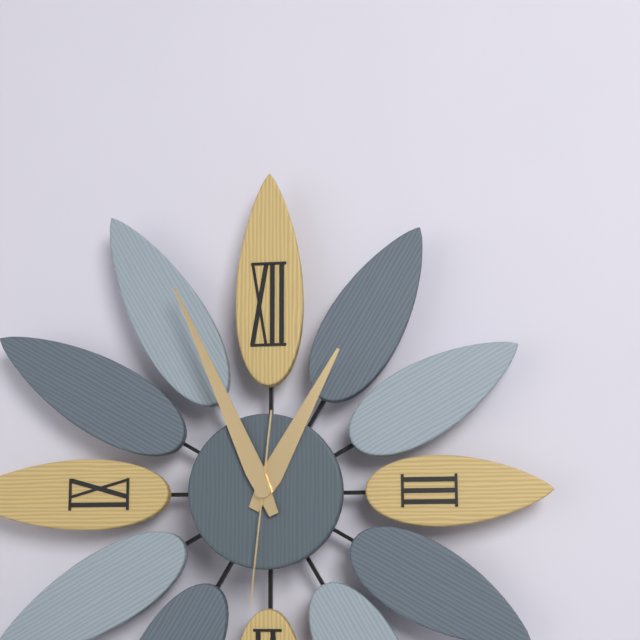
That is 12 h 56 min 31 s
